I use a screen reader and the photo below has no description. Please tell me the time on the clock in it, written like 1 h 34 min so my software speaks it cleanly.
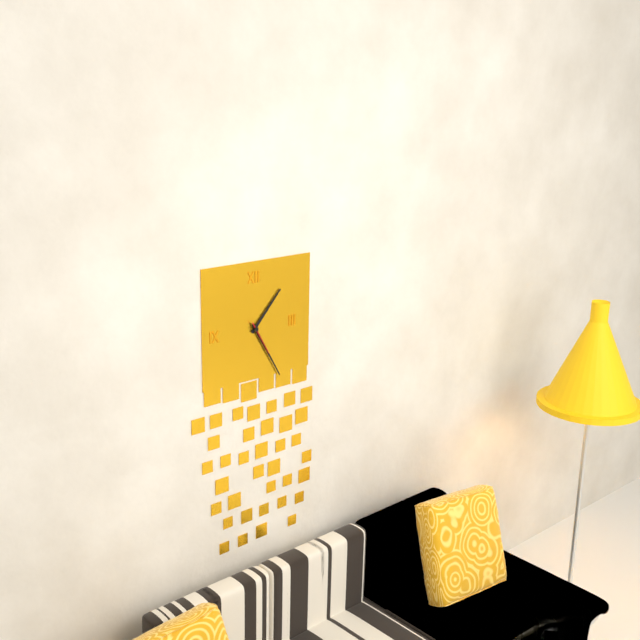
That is 1 h 25 min
